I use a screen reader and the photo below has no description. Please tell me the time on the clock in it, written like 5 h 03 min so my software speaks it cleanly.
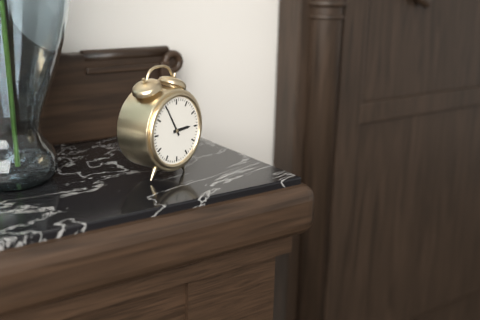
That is 2 h 55 min
